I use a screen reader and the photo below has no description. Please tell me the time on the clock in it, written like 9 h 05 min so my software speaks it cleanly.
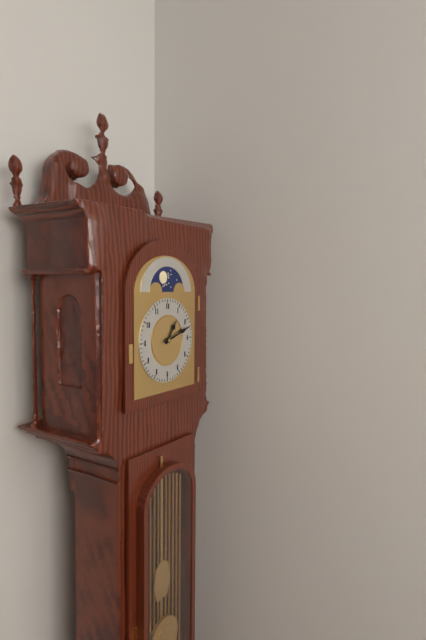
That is 1 h 12 min
